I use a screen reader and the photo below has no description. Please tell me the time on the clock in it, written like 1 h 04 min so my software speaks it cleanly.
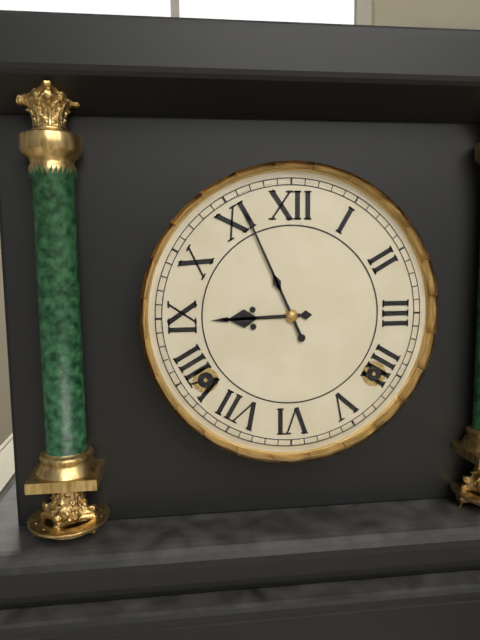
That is 8 h 56 min
